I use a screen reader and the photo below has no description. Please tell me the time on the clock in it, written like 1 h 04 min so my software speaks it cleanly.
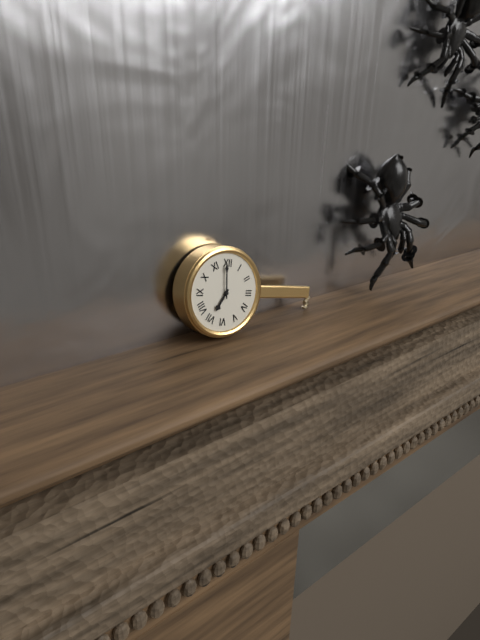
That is 6 h 59 min
